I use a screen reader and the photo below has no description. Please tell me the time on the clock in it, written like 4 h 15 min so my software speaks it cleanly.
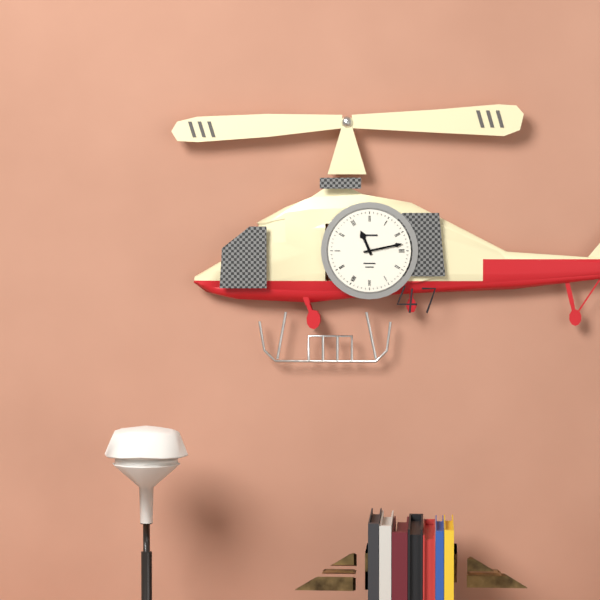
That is 11 h 13 min
